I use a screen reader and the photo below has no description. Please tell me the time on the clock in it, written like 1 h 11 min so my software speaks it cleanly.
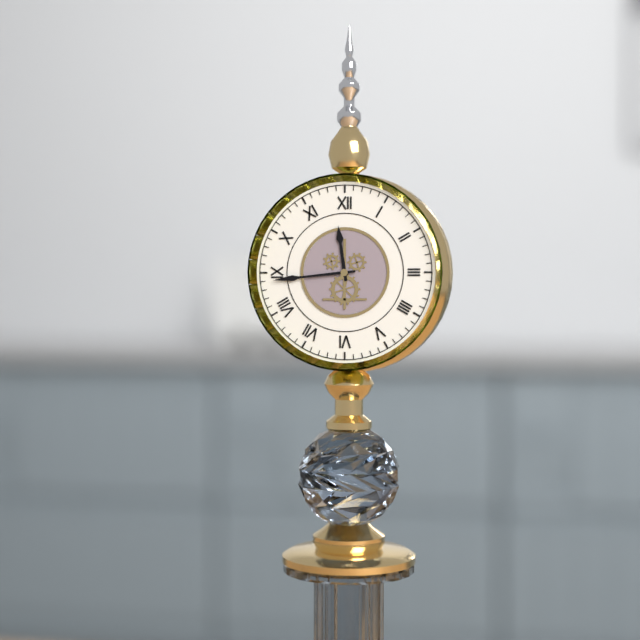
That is 11 h 44 min
